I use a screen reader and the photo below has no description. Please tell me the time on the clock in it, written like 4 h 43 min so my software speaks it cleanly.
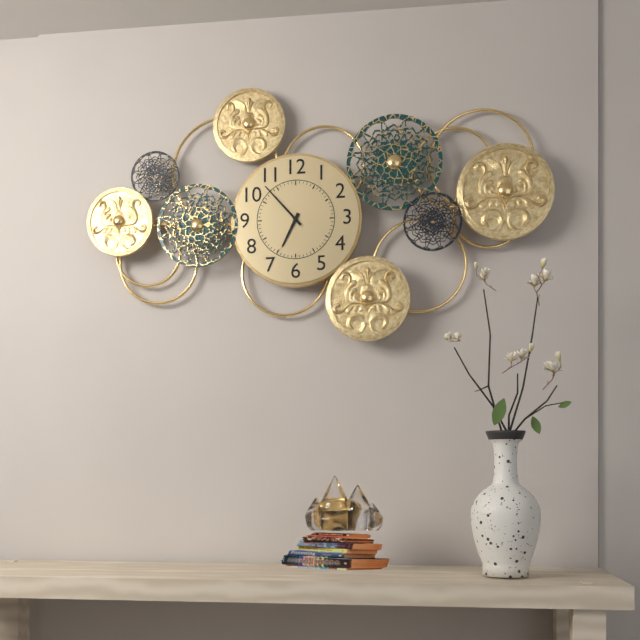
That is 6 h 53 min
